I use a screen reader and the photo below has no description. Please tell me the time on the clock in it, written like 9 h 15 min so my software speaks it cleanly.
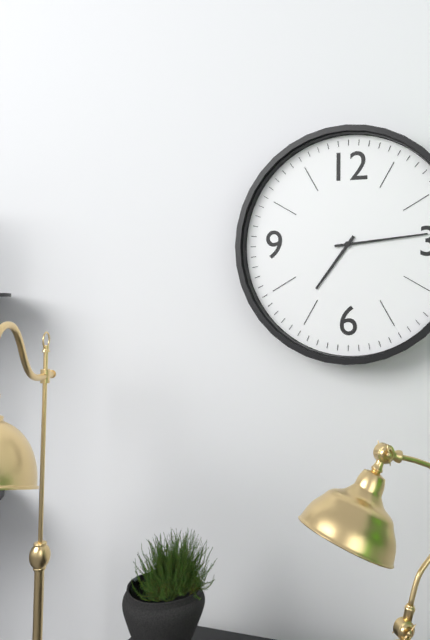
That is 7 h 14 min
